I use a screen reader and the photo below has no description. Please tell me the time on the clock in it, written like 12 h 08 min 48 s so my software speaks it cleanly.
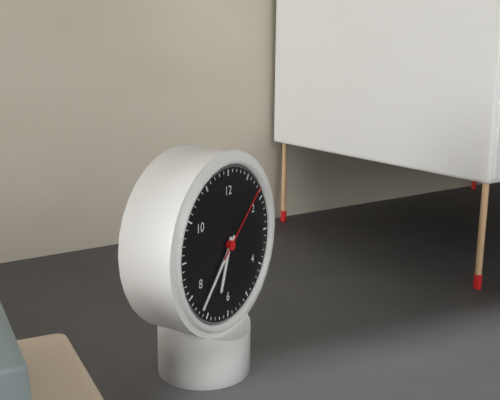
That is 6 h 37 min 08 s
